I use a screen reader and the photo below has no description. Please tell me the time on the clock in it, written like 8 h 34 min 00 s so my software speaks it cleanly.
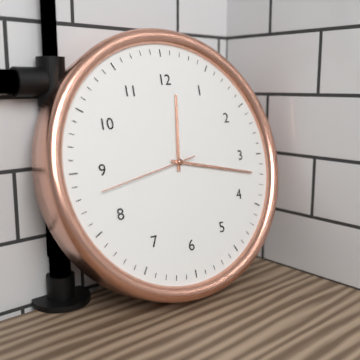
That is 12 h 17 min 43 s
